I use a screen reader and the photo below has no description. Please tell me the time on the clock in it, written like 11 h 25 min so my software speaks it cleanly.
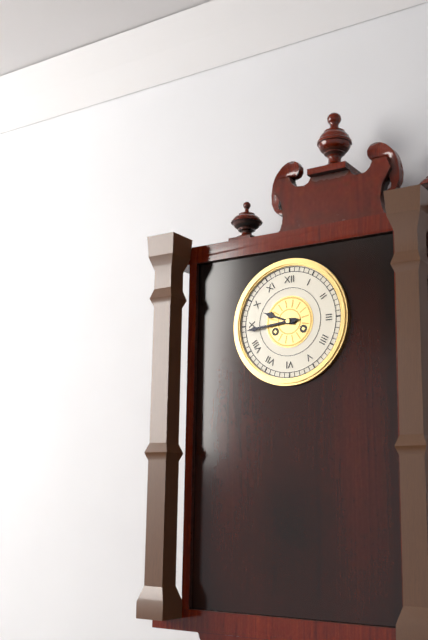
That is 9 h 44 min
